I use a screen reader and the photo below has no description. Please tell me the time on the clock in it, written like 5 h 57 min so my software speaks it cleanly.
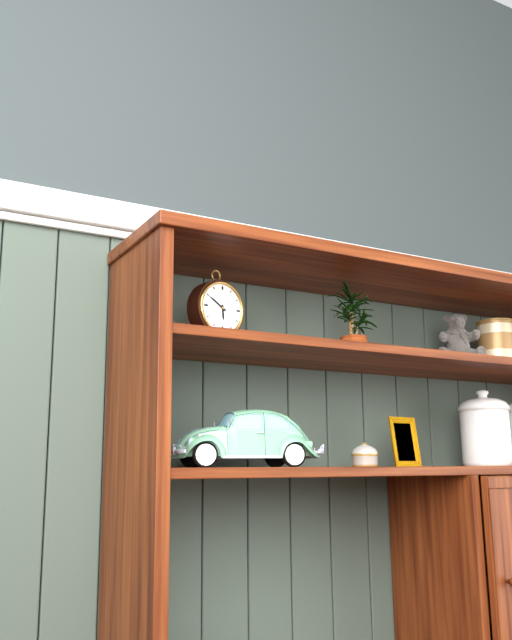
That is 5 h 50 min
